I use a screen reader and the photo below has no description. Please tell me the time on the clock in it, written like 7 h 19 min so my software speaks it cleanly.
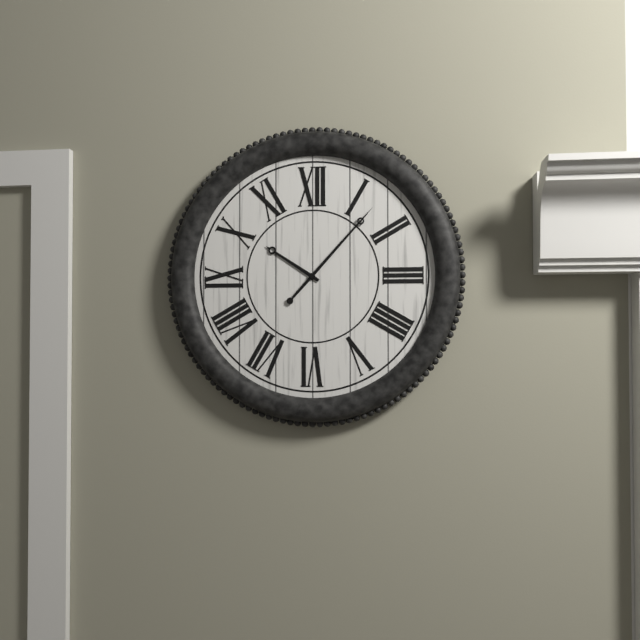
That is 10 h 07 min
